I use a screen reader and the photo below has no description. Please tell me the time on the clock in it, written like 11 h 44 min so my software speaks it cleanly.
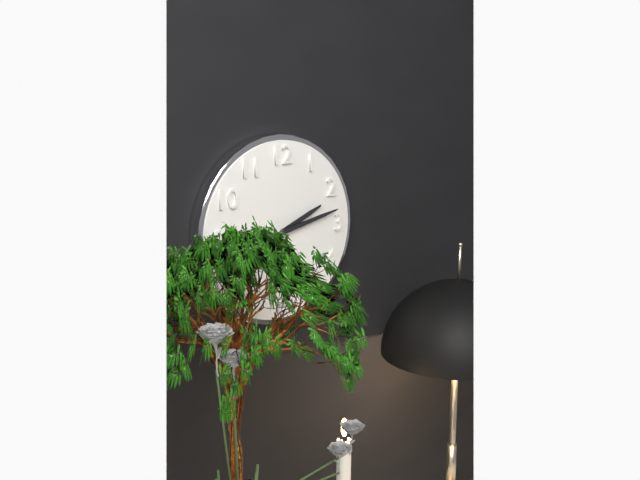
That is 2 h 13 min
